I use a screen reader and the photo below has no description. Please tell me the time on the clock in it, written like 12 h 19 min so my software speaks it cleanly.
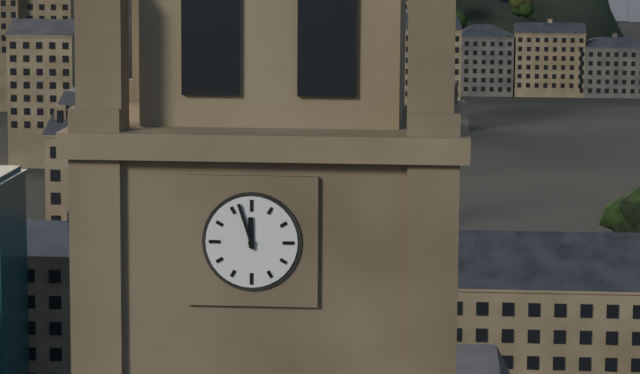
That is 11 h 57 min
